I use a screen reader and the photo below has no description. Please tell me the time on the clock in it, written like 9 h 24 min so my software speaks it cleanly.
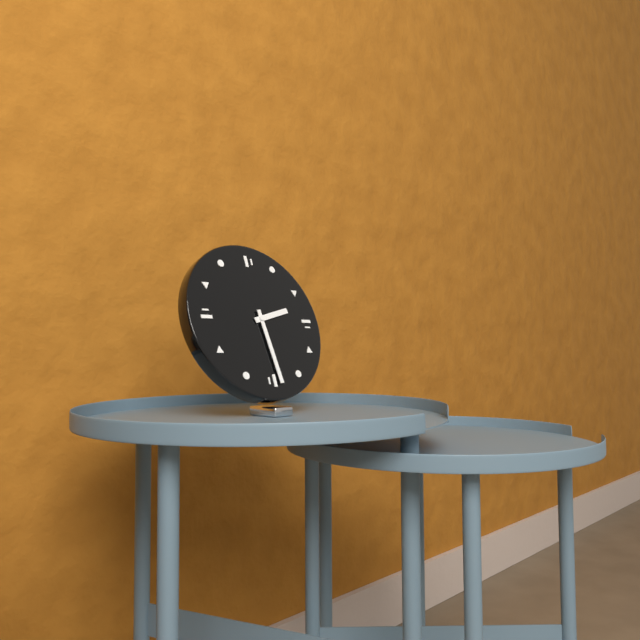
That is 2 h 29 min
